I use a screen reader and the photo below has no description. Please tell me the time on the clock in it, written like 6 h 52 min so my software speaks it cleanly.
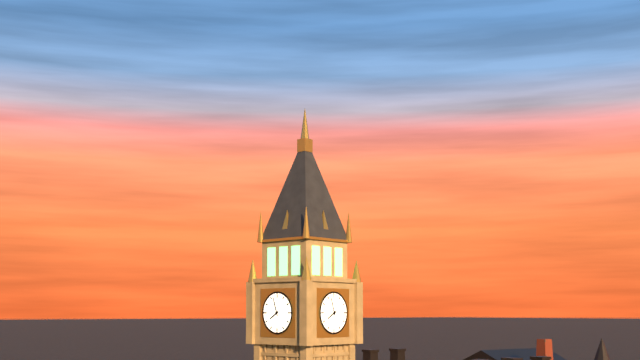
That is 7 h 57 min
